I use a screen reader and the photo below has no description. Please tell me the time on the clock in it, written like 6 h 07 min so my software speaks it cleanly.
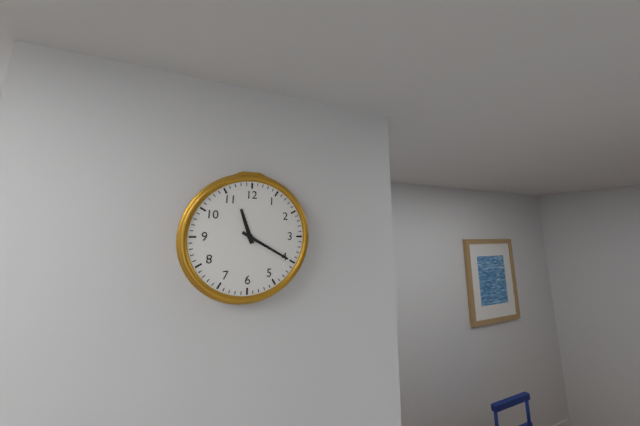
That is 11 h 20 min
